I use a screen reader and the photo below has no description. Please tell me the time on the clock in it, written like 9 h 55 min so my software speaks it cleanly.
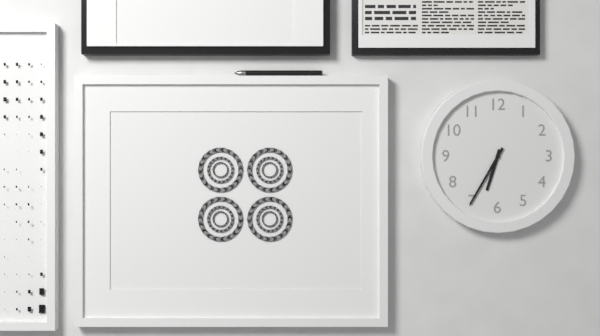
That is 6 h 35 min
